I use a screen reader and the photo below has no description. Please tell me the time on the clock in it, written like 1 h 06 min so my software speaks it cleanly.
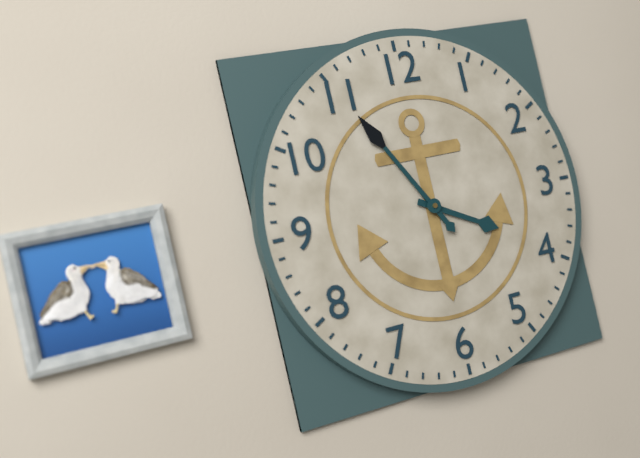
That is 3 h 55 min
